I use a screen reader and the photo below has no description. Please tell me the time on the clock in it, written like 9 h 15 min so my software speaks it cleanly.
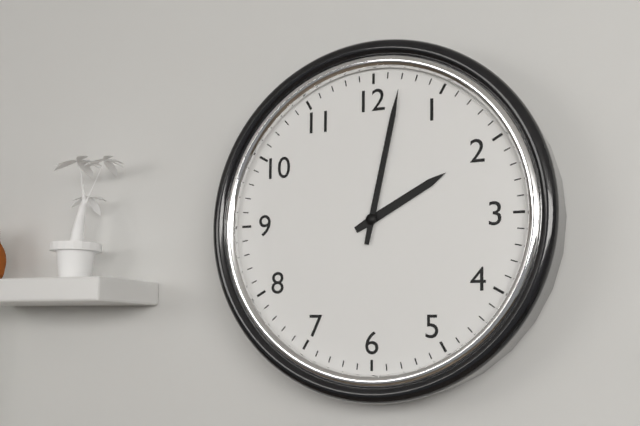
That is 2 h 02 min
